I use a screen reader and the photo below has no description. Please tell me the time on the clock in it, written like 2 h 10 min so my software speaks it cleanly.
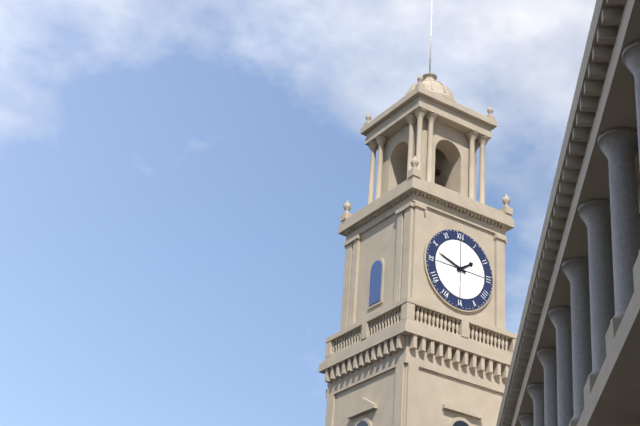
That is 1 h 48 min
